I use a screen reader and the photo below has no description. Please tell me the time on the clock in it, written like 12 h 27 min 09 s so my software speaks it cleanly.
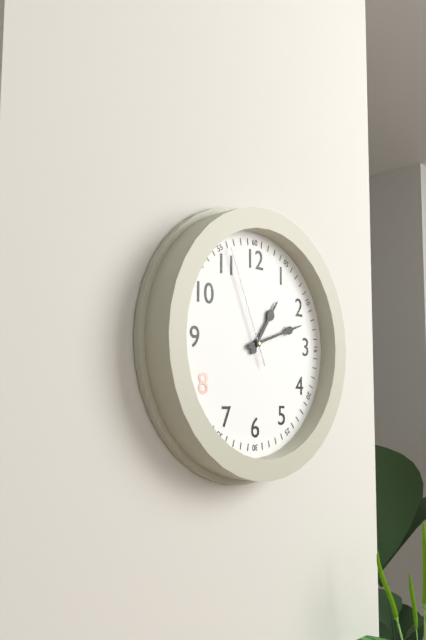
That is 1 h 12 min 56 s
